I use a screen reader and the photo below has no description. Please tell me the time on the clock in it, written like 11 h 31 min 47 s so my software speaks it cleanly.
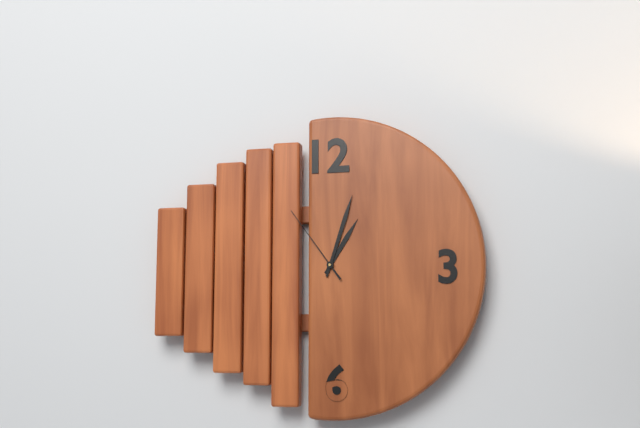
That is 1 h 03 min 54 s
